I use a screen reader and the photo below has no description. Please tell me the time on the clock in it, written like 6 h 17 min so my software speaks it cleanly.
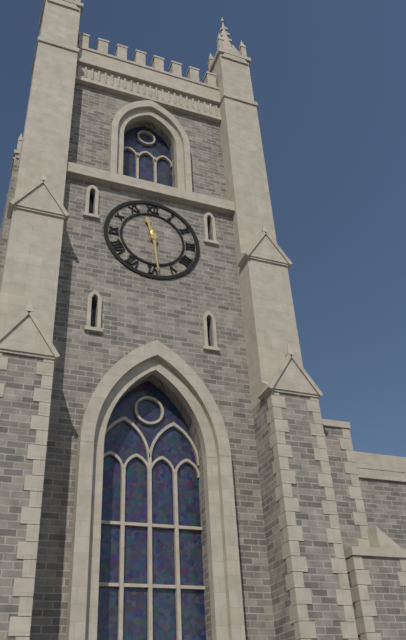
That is 11 h 29 min
